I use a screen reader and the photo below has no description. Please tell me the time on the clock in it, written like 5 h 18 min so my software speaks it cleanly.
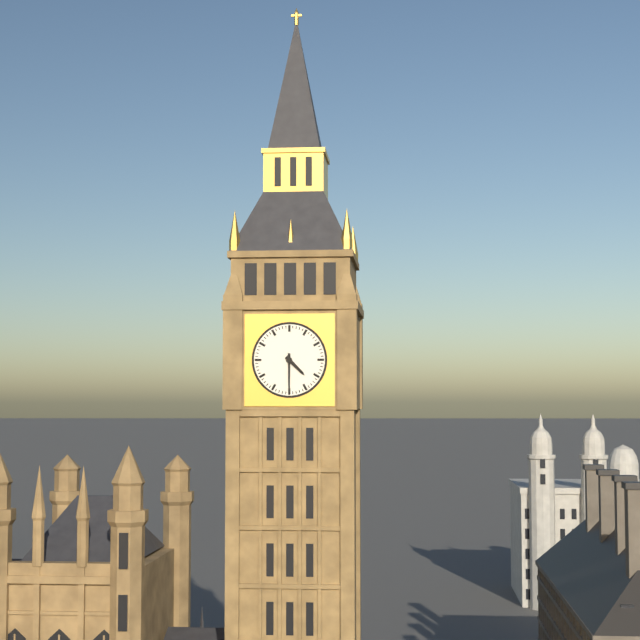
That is 4 h 30 min
